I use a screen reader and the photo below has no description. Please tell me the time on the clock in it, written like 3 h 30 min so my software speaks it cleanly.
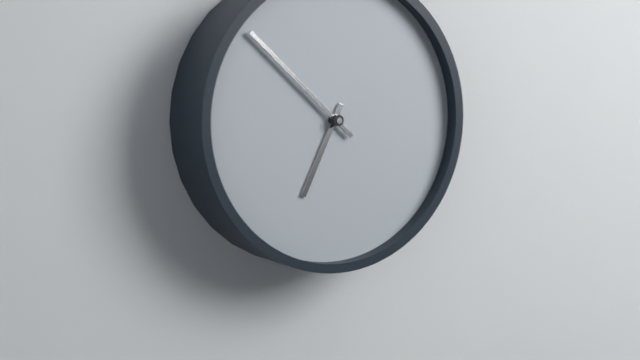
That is 6 h 52 min
